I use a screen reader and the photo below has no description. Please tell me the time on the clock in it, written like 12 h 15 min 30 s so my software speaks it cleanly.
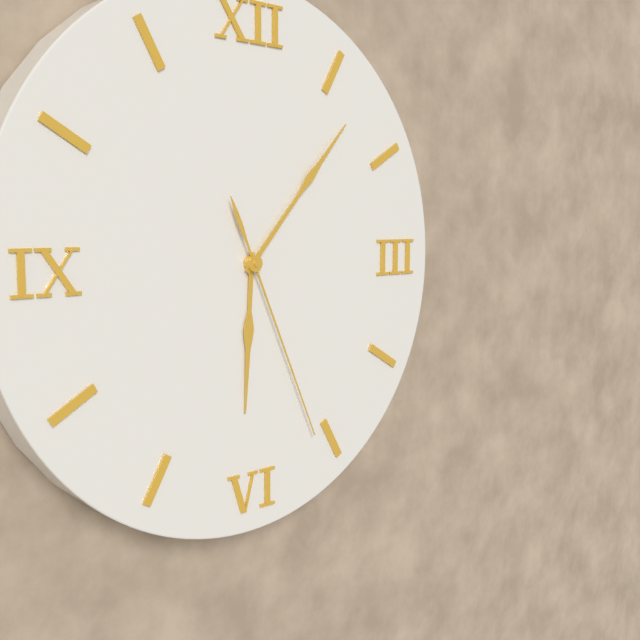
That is 6 h 07 min 26 s
